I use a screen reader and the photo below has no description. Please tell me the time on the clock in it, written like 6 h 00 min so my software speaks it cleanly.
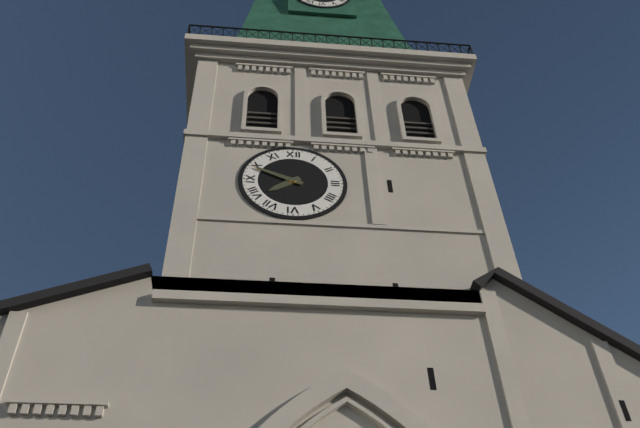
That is 7 h 49 min
